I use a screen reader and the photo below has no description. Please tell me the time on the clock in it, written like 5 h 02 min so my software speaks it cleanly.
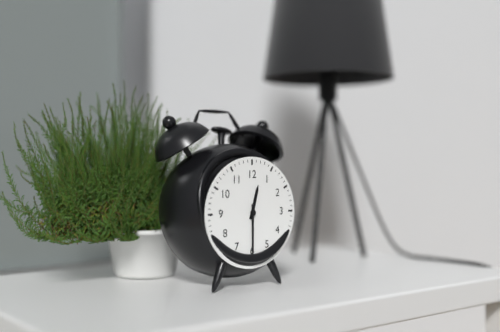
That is 12 h 30 min
